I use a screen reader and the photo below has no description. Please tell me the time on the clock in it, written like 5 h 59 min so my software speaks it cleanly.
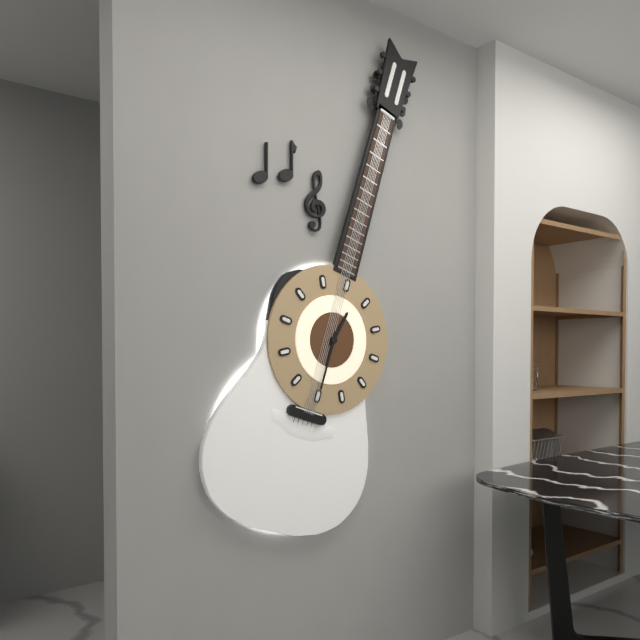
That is 12 h 30 min
